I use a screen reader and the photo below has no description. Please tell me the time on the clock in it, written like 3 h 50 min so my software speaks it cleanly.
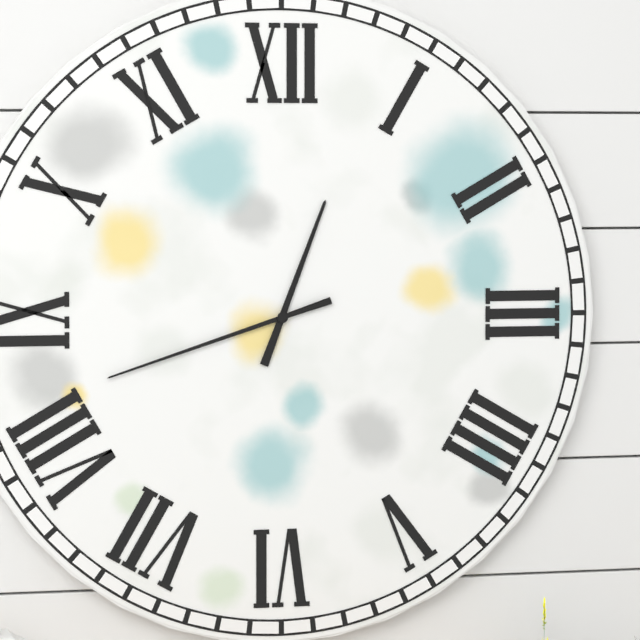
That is 12 h 42 min
